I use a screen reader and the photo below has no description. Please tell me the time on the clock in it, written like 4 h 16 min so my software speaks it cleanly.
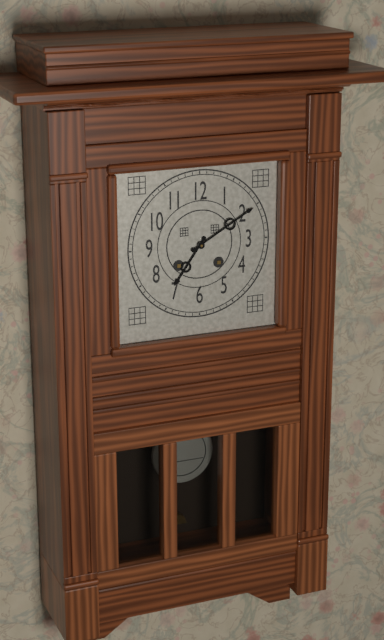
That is 7 h 10 min
